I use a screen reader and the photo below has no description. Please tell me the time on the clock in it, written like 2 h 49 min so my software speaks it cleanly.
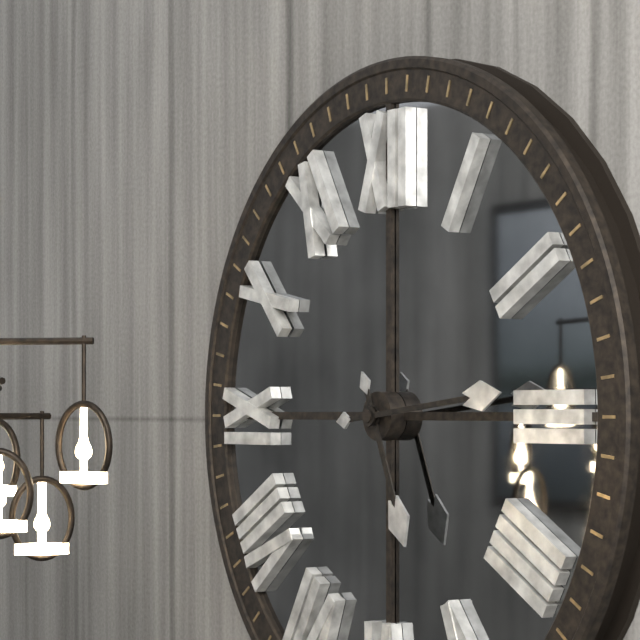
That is 5 h 14 min
